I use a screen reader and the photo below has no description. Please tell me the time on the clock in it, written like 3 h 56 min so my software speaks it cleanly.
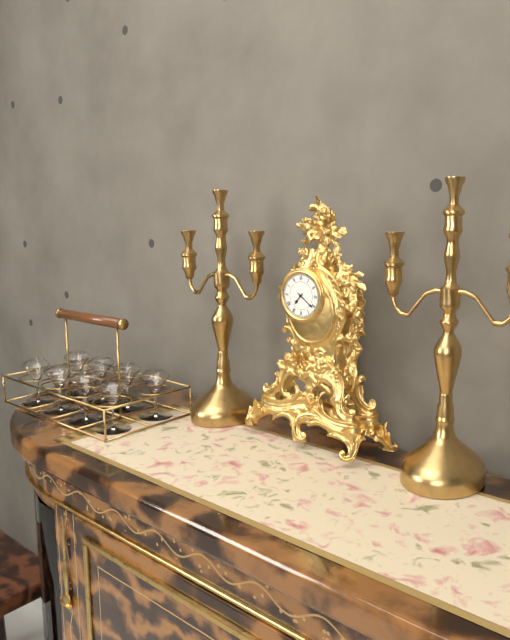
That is 7 h 21 min
